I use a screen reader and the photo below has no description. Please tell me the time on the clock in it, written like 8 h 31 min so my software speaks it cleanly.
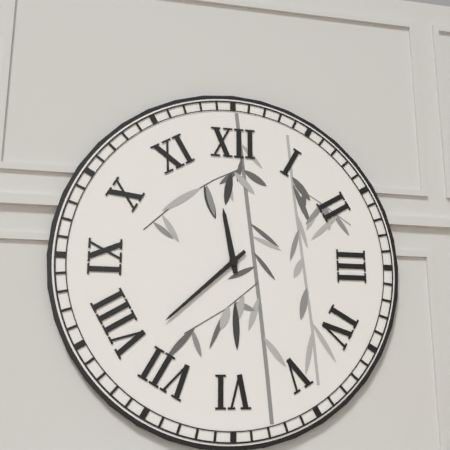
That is 11 h 38 min
